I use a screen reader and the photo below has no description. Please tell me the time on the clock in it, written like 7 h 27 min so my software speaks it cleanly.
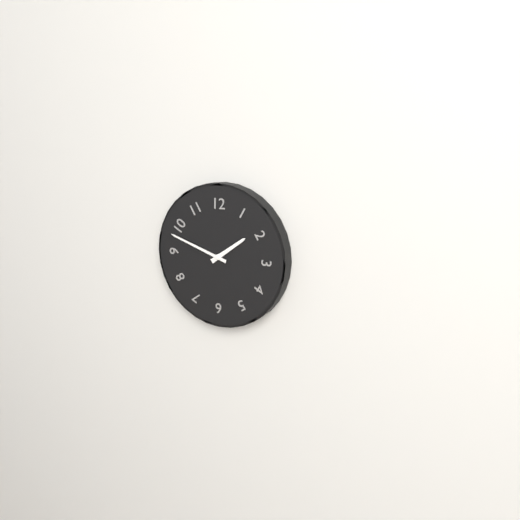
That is 1 h 48 min
